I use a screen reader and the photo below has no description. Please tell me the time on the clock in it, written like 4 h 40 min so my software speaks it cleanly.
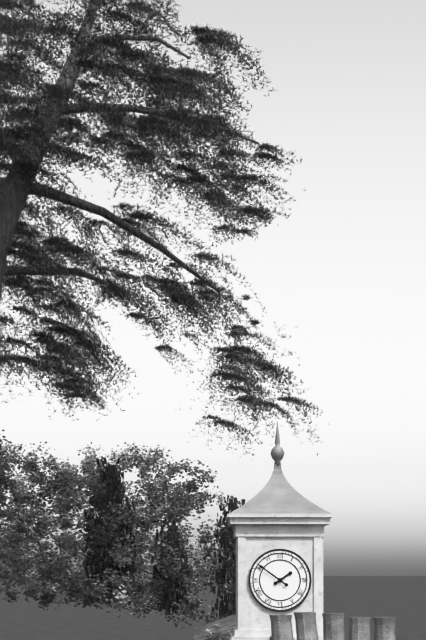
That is 1 h 51 min
